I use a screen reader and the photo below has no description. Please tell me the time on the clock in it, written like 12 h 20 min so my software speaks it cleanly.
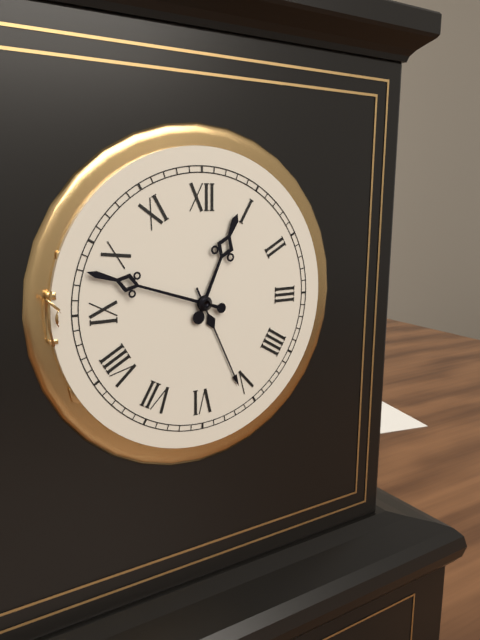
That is 12 h 48 min
